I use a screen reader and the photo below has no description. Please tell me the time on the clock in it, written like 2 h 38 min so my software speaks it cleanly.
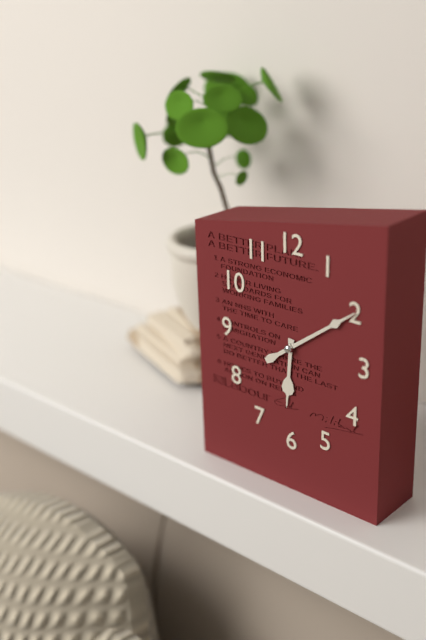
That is 6 h 09 min
